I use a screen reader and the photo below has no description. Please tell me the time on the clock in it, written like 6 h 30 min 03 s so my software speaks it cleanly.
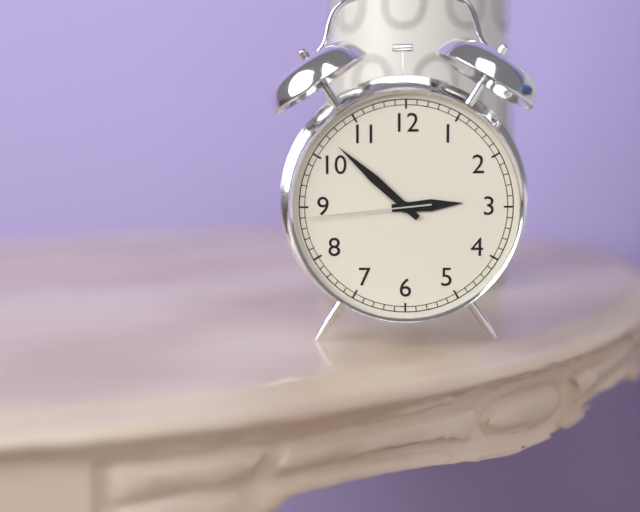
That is 2 h 52 min 44 s
